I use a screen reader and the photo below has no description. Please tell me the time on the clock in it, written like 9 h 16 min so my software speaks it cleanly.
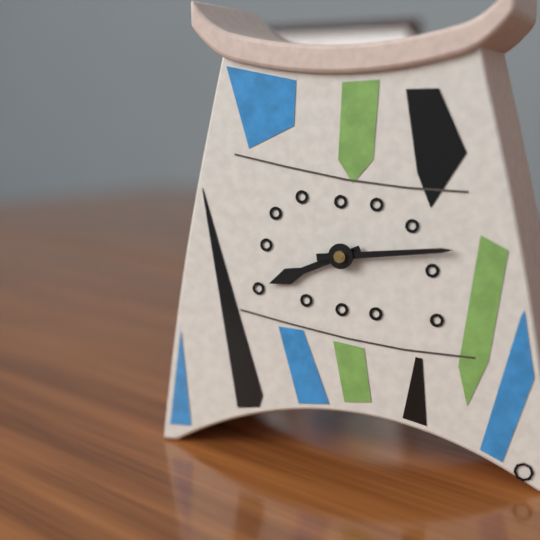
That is 8 h 14 min
